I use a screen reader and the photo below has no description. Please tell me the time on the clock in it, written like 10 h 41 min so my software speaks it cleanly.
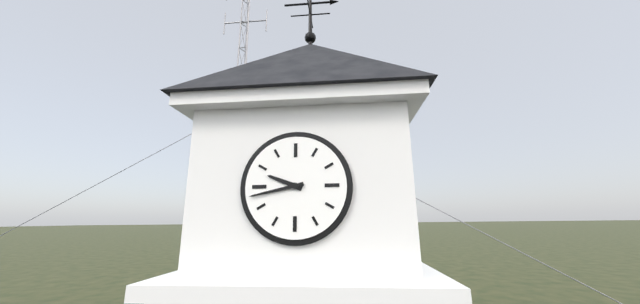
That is 9 h 43 min
